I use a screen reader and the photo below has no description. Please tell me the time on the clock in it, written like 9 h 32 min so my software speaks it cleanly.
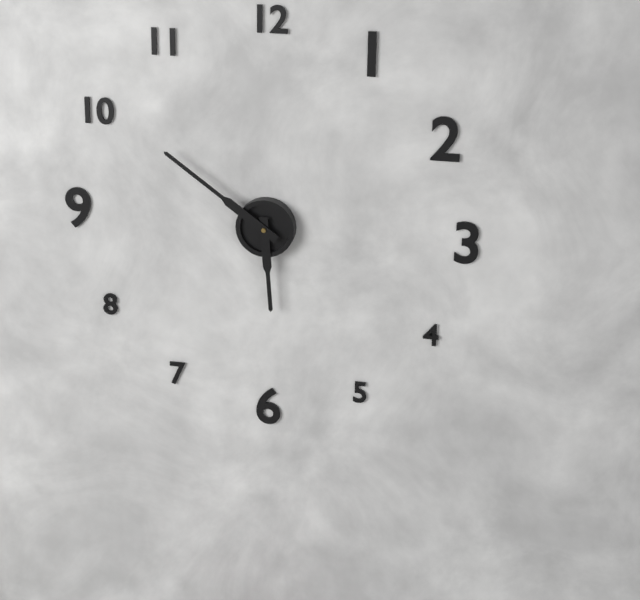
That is 5 h 51 min
